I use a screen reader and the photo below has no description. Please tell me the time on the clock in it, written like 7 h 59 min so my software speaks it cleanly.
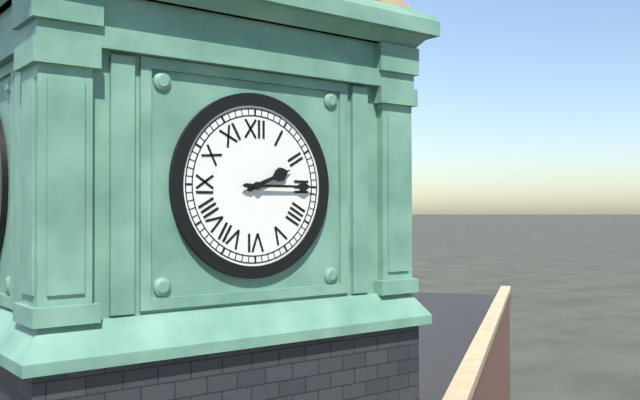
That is 2 h 15 min
